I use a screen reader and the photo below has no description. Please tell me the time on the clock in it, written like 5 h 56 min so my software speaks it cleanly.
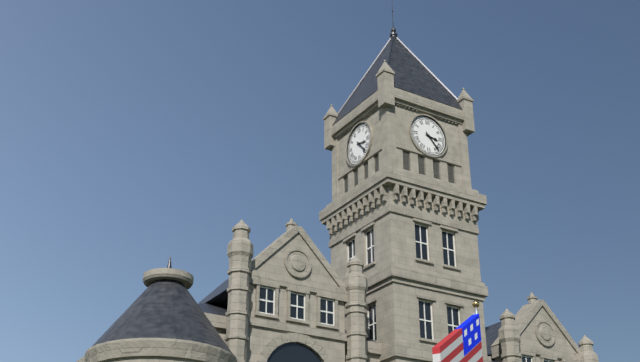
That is 3 h 23 min
